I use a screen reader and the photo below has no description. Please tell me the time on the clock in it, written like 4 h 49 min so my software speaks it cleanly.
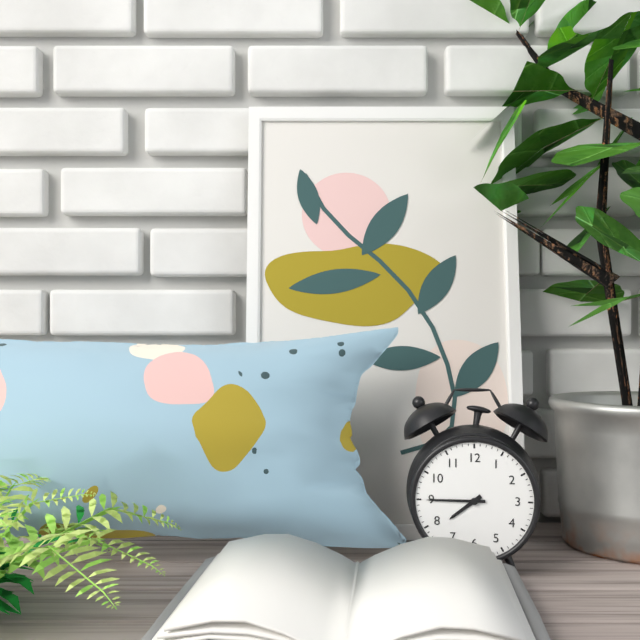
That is 7 h 45 min
